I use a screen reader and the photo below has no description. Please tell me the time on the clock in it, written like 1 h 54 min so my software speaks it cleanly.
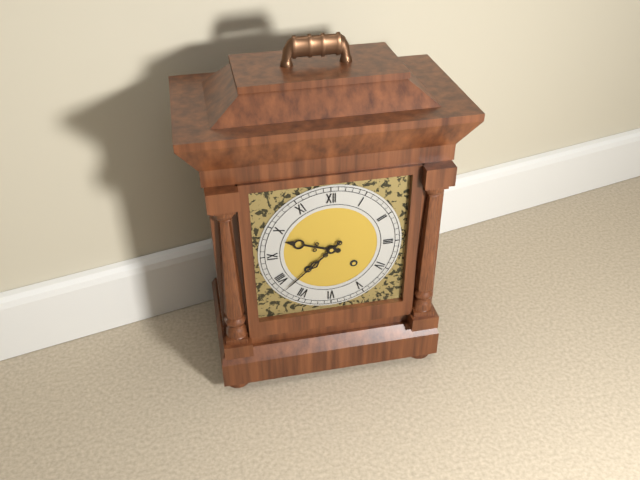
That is 9 h 38 min
